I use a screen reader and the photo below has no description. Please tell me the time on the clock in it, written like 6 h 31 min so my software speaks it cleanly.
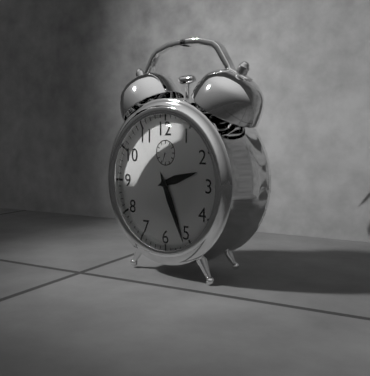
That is 2 h 26 min
